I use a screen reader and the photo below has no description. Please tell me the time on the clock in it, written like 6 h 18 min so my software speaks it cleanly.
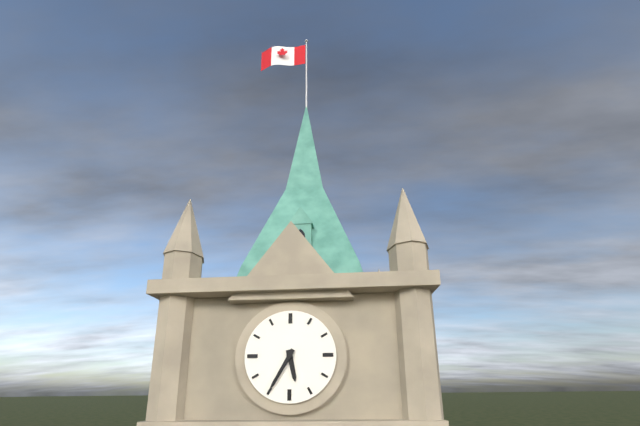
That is 5 h 35 min
